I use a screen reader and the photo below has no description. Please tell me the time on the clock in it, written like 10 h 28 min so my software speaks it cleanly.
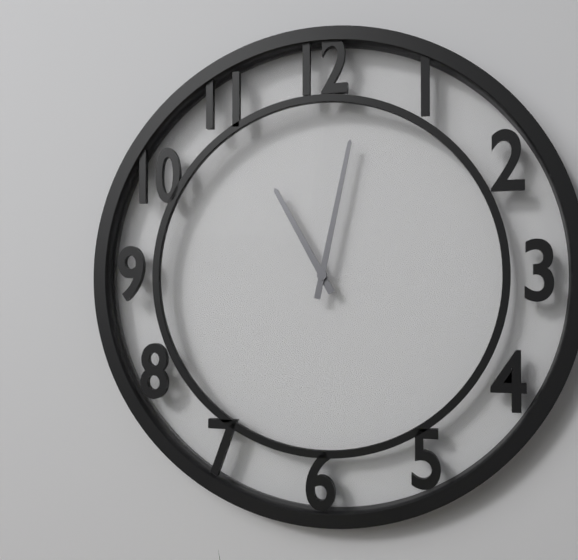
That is 11 h 02 min
